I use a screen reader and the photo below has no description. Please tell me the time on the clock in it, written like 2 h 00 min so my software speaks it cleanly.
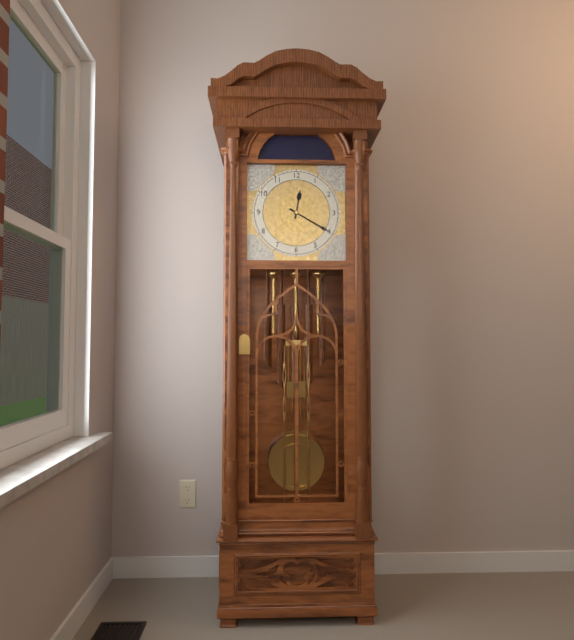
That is 12 h 20 min
